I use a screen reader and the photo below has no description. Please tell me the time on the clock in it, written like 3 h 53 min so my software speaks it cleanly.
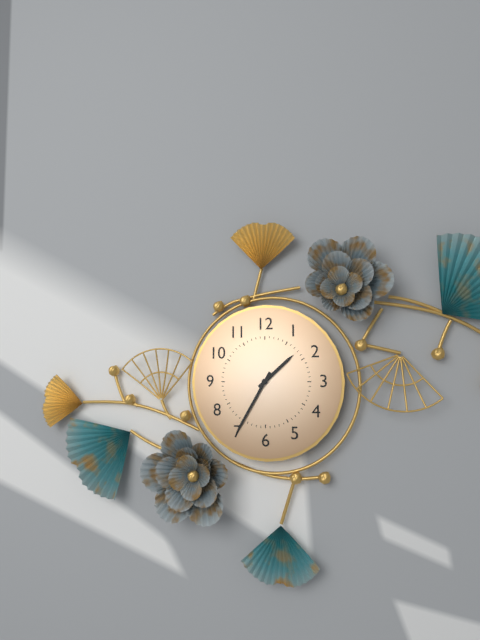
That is 1 h 35 min
